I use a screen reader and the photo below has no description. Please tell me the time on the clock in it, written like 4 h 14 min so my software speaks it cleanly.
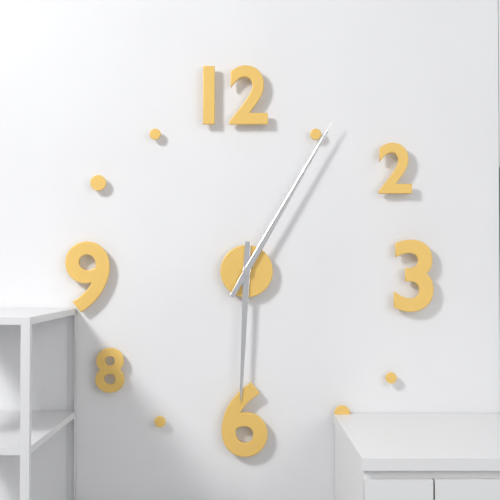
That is 6 h 05 min
